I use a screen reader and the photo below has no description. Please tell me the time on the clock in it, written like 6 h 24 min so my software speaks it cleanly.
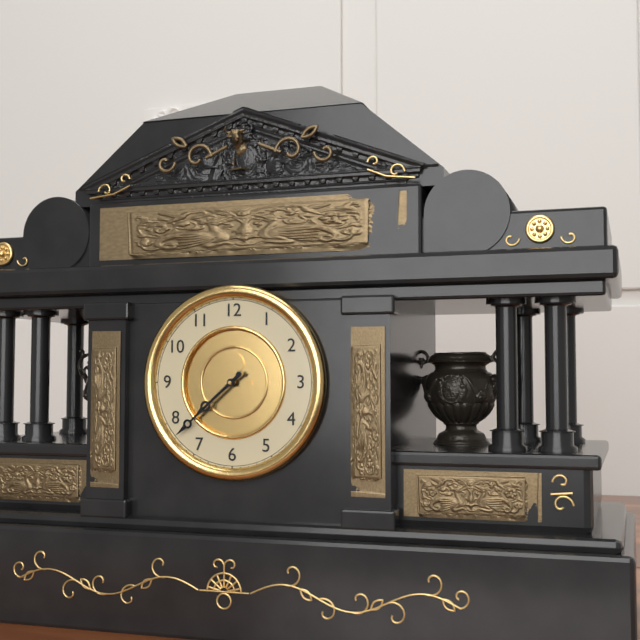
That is 7 h 38 min
